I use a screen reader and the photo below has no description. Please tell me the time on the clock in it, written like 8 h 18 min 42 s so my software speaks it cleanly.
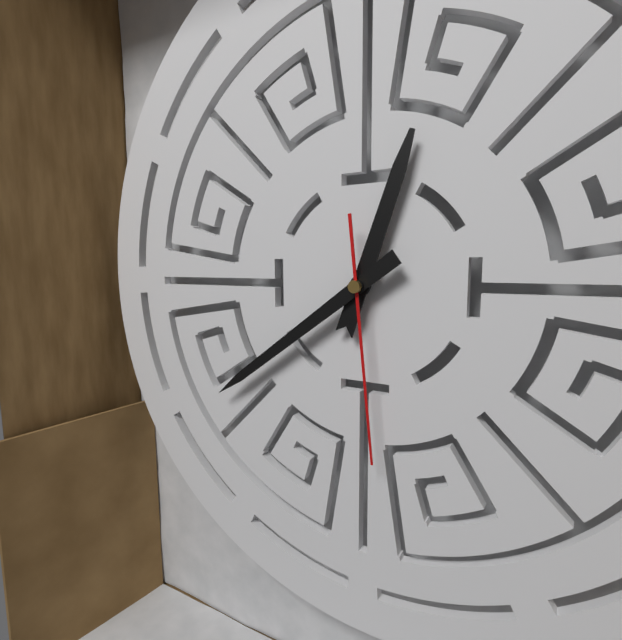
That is 12 h 39 min 29 s
